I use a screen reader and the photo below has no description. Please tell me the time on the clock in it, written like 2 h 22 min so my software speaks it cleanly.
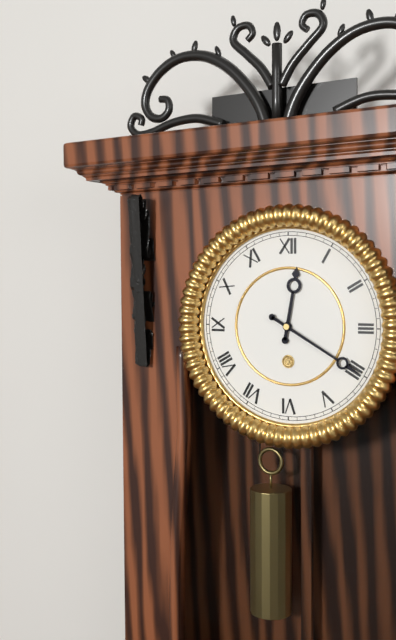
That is 12 h 20 min
